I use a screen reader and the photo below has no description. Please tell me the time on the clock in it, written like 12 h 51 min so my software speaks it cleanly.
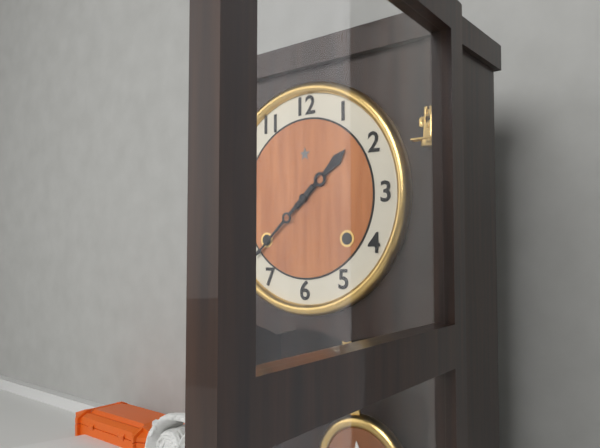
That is 1 h 38 min
